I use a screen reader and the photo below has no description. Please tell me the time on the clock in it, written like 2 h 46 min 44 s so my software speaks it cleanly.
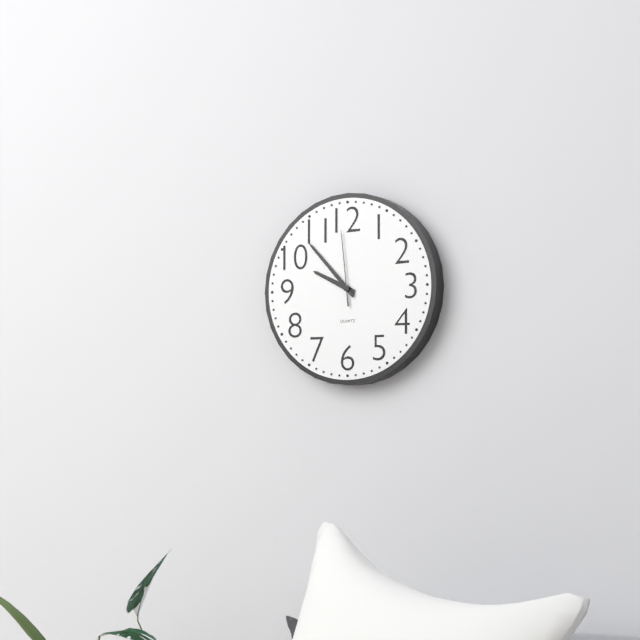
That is 9 h 53 min 59 s
